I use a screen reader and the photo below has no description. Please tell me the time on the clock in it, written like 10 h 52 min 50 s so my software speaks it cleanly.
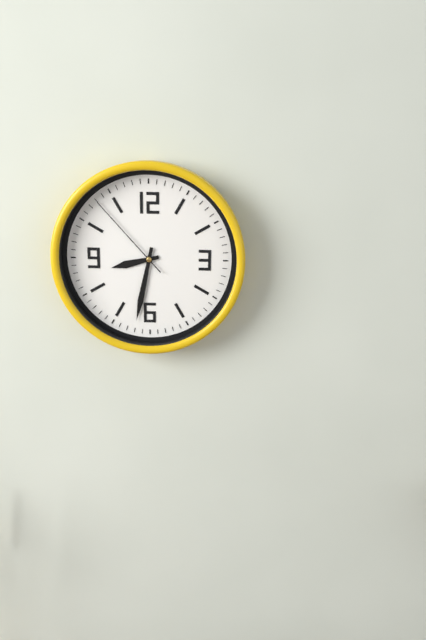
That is 8 h 32 min 53 s
